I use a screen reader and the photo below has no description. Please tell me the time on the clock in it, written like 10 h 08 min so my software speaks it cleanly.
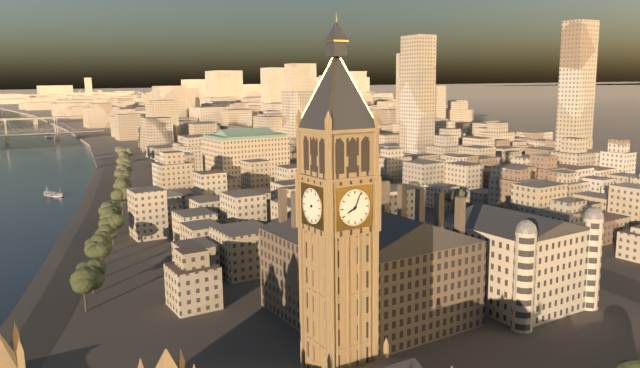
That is 8 h 04 min
